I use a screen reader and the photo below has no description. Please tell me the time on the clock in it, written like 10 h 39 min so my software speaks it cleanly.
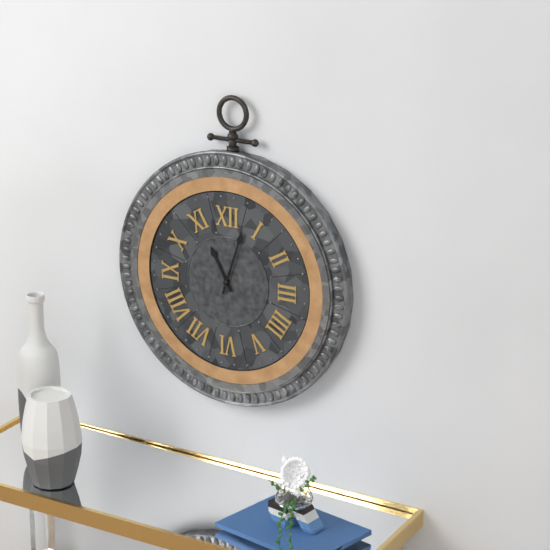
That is 11 h 03 min
